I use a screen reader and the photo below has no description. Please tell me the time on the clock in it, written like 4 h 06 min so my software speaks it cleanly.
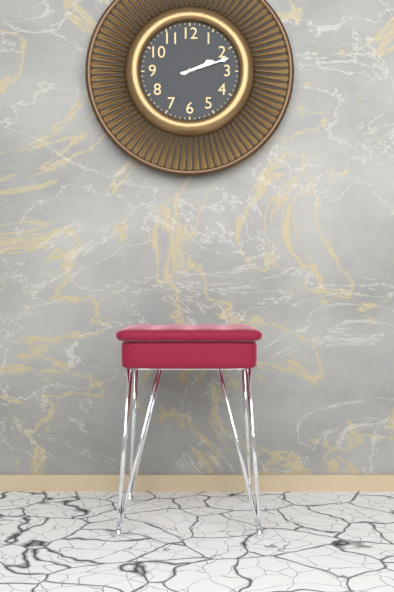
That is 2 h 12 min
